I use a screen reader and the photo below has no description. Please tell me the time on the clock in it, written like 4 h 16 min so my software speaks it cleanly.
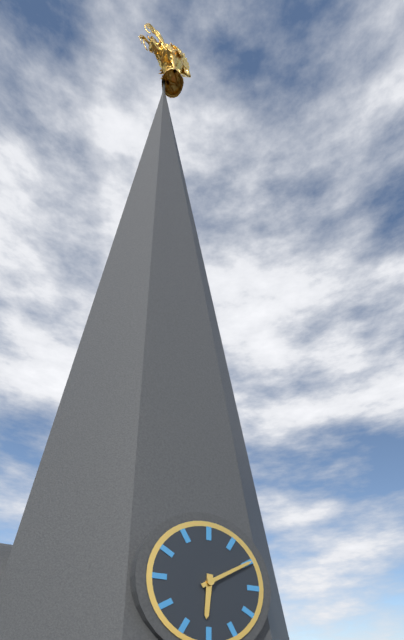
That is 6 h 10 min
